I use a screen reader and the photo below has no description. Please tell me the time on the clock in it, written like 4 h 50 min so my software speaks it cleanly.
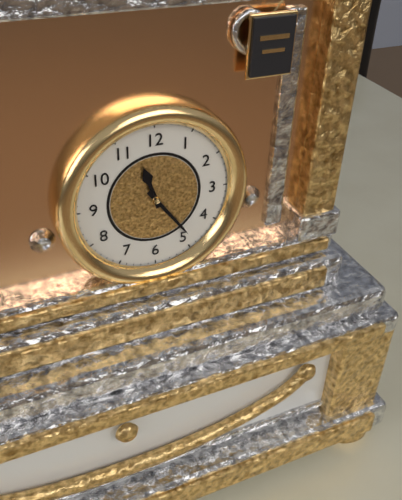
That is 11 h 24 min
